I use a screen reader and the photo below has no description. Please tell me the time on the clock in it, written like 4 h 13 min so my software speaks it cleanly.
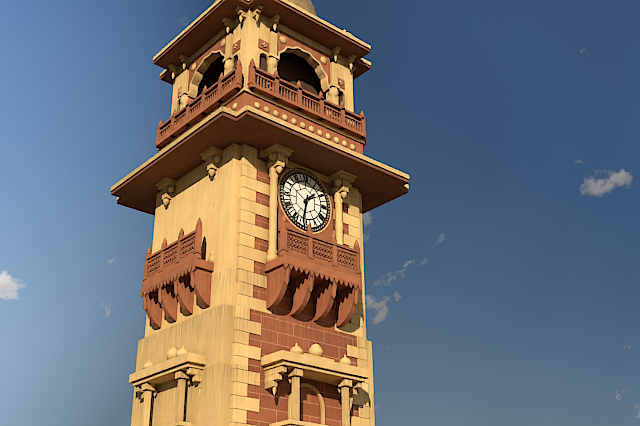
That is 1 h 32 min
